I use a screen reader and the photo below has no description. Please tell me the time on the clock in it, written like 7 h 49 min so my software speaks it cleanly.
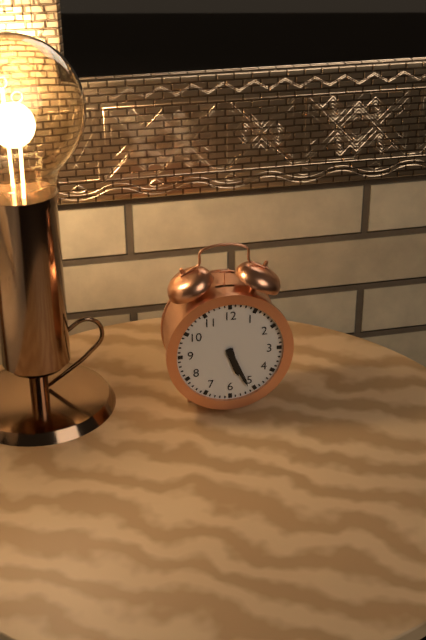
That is 5 h 26 min
